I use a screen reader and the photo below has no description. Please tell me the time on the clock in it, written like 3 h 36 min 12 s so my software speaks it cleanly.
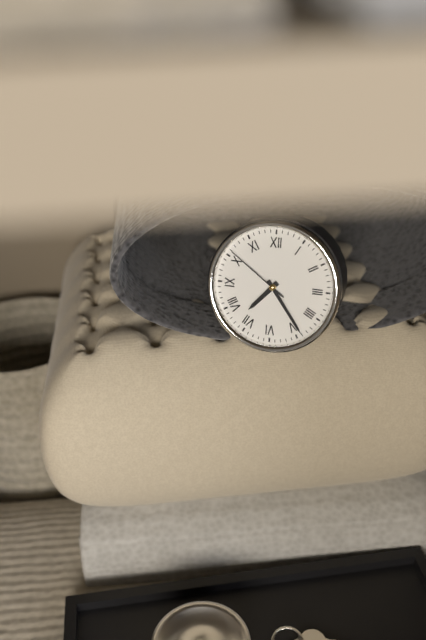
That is 7 h 24 min 51 s
